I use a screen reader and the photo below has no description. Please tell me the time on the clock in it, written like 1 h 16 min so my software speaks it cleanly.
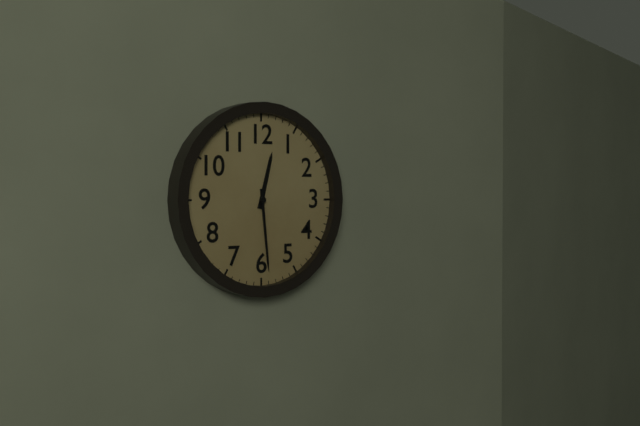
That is 12 h 29 min
